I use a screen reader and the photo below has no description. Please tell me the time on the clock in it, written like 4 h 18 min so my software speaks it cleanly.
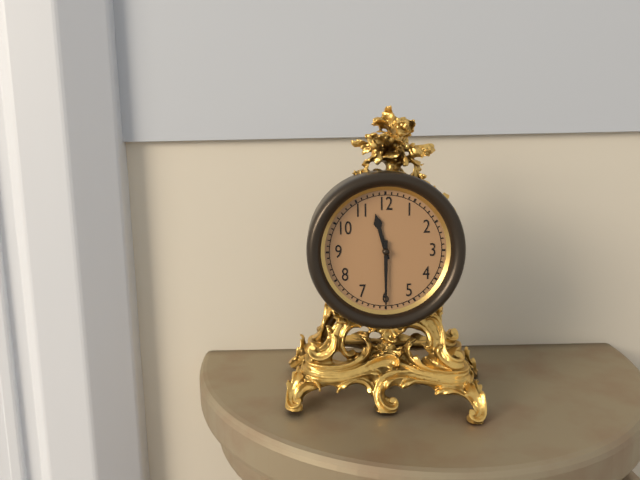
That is 11 h 30 min
